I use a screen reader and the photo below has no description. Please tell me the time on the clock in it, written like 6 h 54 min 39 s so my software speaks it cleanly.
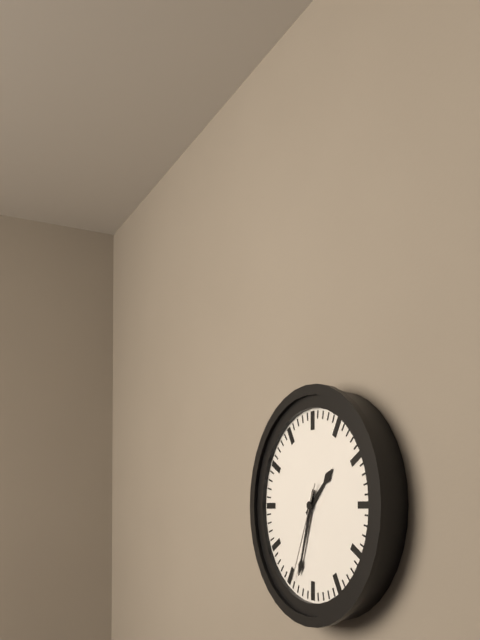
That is 1 h 33 min 34 s
